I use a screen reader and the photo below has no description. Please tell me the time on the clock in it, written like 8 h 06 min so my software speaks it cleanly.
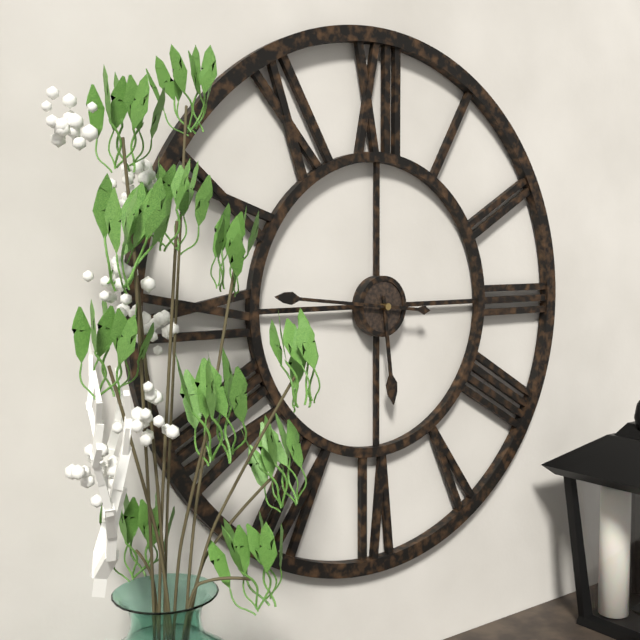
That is 5 h 46 min
